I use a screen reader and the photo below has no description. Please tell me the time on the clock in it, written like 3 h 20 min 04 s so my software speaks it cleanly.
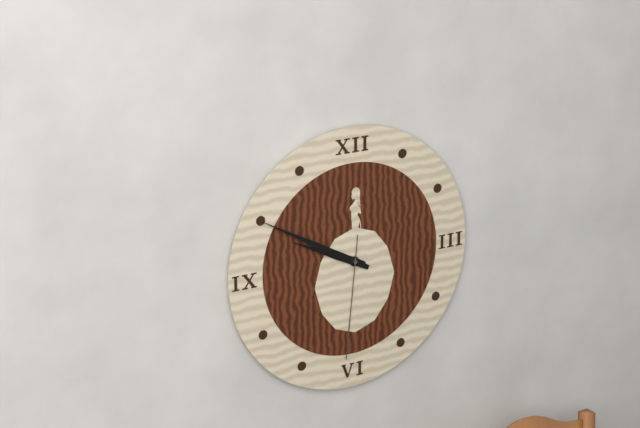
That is 9 h 50 min 31 s
